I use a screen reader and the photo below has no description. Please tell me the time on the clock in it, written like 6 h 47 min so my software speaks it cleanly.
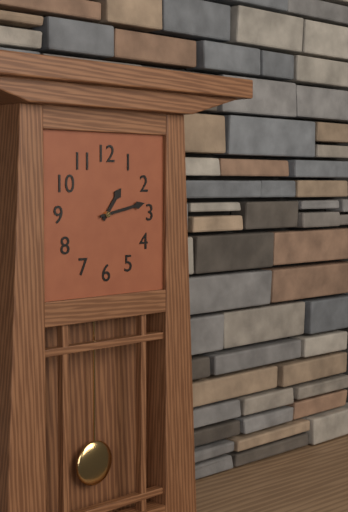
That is 1 h 13 min
